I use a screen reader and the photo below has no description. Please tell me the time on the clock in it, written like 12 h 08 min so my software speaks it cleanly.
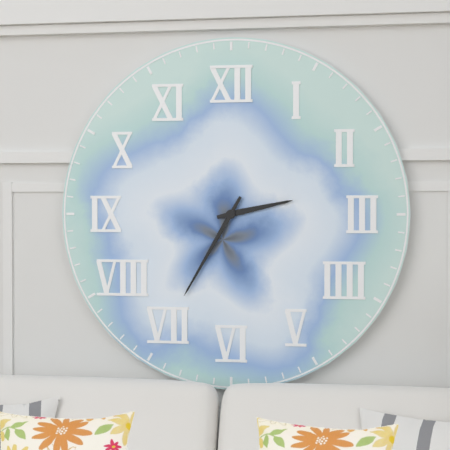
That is 2 h 35 min
